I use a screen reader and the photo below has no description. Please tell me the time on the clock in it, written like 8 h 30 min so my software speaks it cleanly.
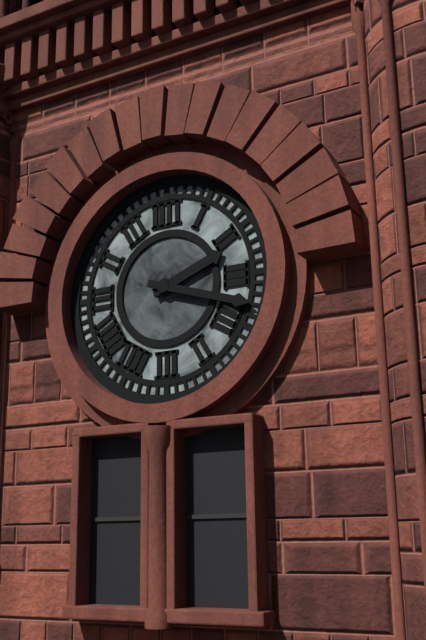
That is 2 h 18 min
